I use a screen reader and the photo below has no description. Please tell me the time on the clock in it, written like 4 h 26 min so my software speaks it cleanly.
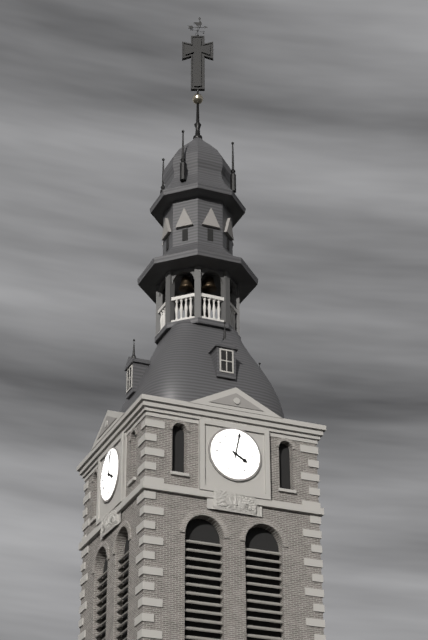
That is 4 h 02 min
